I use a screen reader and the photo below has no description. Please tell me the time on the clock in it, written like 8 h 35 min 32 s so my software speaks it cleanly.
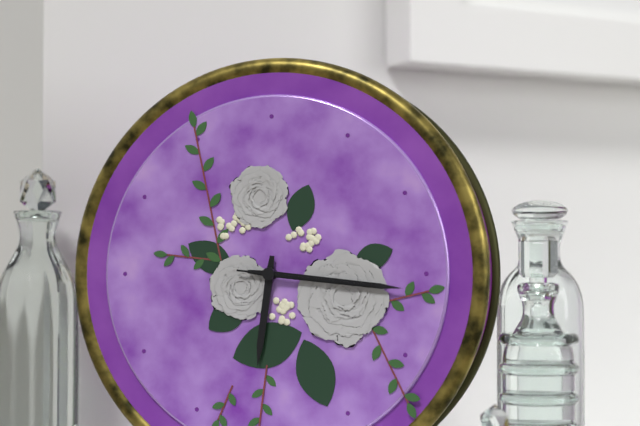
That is 6 h 16 min 16 s
